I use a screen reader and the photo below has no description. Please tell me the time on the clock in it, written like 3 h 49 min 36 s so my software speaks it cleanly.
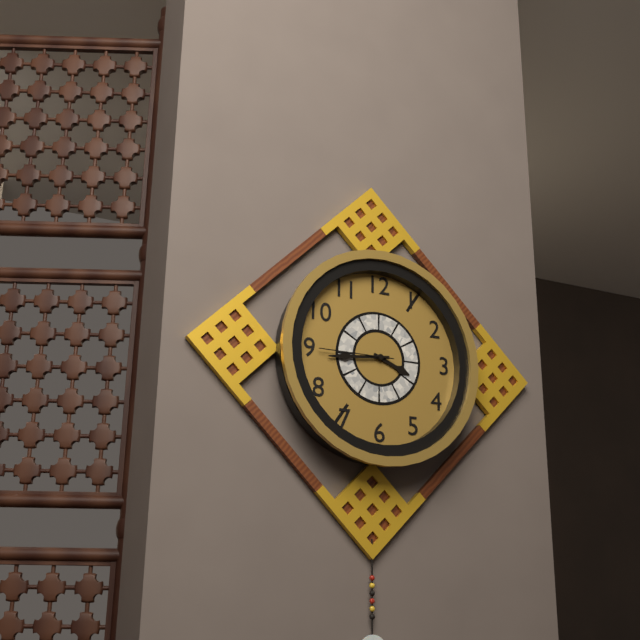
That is 3 h 44 min 45 s
